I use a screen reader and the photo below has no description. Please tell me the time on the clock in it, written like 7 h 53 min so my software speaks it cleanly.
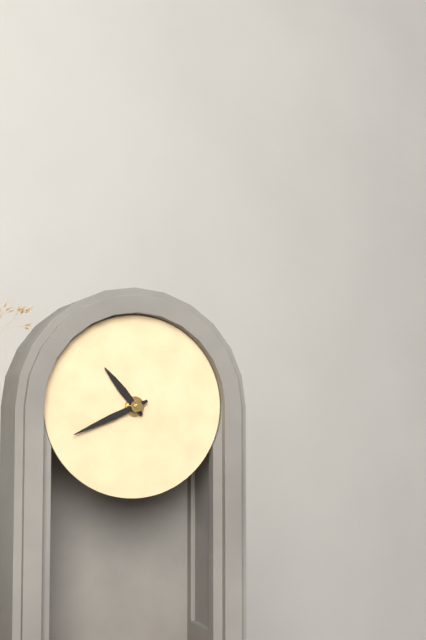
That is 10 h 41 min
